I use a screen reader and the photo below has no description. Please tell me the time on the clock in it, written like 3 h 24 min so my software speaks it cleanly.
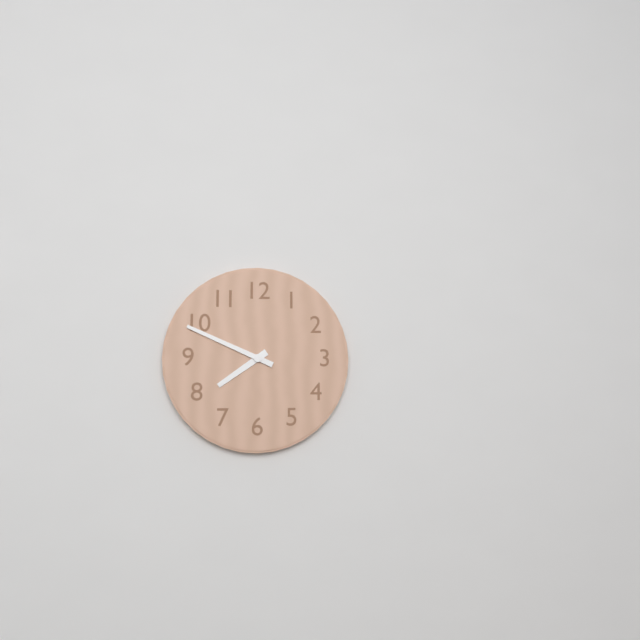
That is 7 h 49 min
